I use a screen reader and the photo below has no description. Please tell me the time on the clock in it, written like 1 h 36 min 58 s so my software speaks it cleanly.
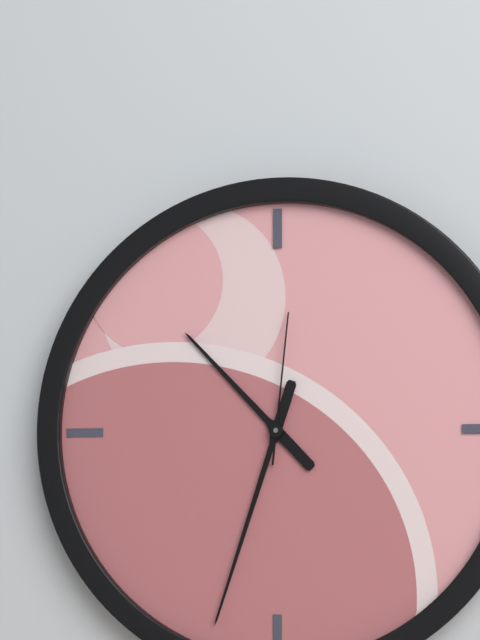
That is 10 h 33 min 01 s
